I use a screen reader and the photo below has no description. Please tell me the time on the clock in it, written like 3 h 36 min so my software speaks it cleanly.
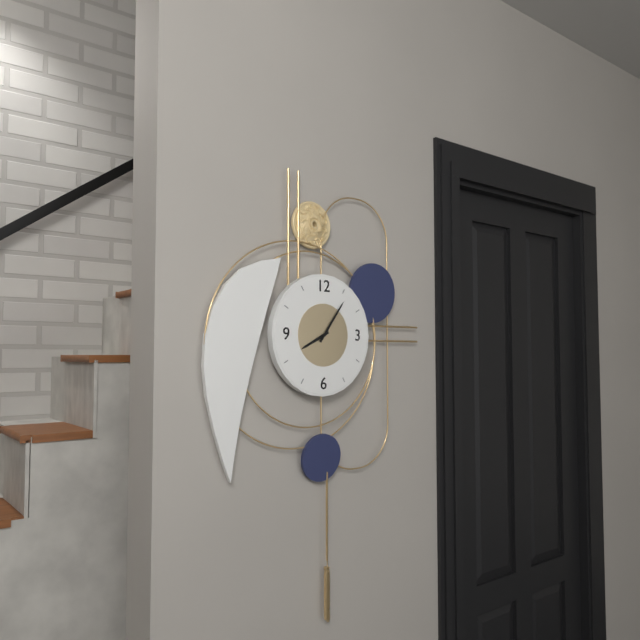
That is 8 h 06 min
